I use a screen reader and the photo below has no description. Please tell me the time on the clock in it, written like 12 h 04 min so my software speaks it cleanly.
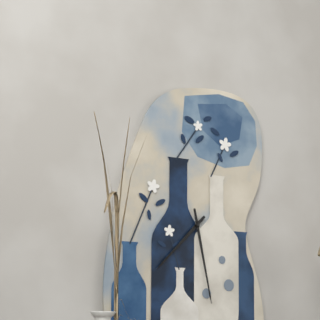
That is 7 h 28 min
